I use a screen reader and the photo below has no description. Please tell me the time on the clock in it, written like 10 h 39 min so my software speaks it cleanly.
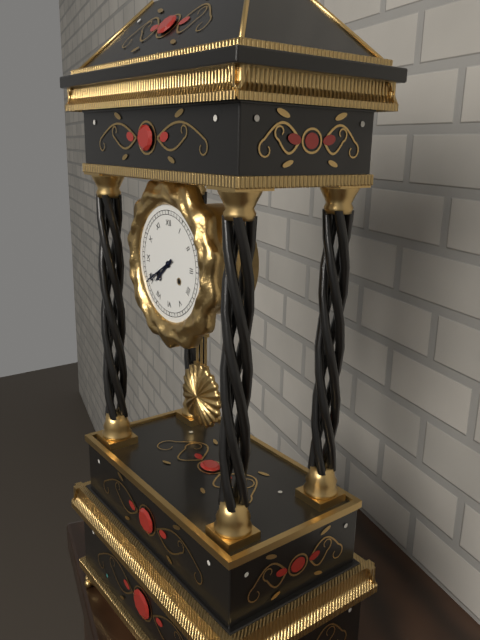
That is 7 h 40 min
